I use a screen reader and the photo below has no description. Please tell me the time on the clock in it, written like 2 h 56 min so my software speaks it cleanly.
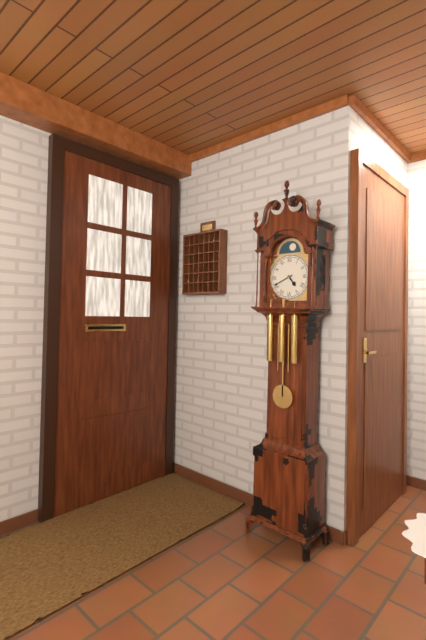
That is 4 h 41 min
